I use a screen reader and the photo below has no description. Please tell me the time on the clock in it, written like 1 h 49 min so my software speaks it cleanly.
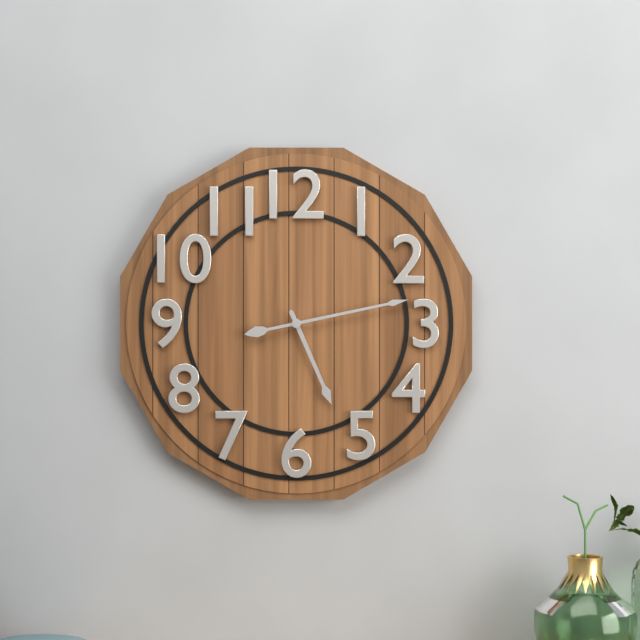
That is 5 h 13 min
